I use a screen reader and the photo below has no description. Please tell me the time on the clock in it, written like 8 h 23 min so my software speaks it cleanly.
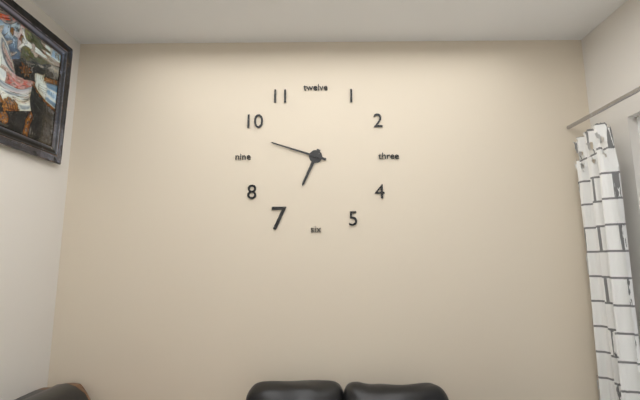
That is 6 h 48 min
